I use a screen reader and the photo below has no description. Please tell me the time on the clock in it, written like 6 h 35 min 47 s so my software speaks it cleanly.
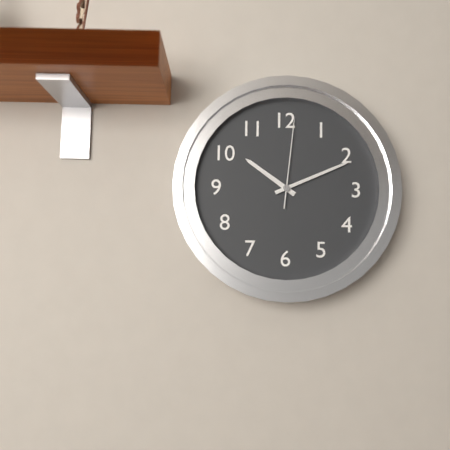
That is 10 h 11 min 01 s
